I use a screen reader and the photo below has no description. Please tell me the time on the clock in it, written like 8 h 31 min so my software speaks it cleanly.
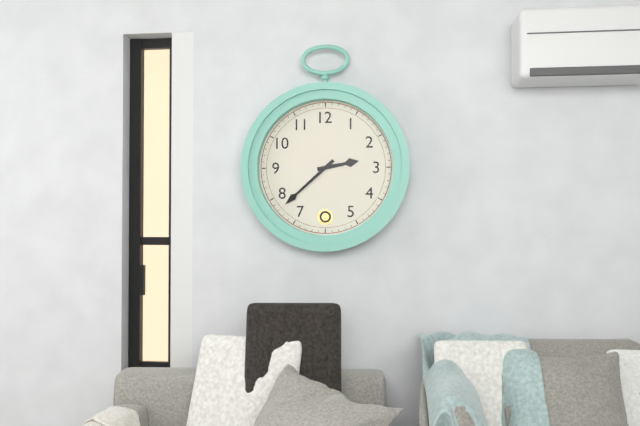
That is 2 h 38 min
